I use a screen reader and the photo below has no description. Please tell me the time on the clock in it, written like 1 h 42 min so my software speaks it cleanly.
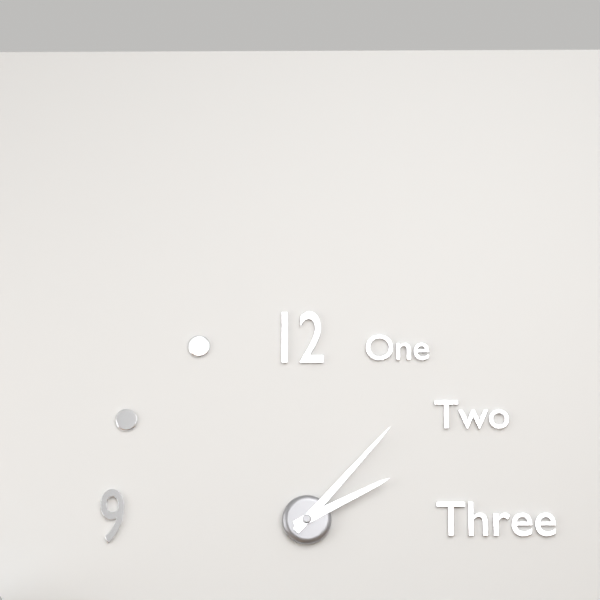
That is 2 h 07 min
